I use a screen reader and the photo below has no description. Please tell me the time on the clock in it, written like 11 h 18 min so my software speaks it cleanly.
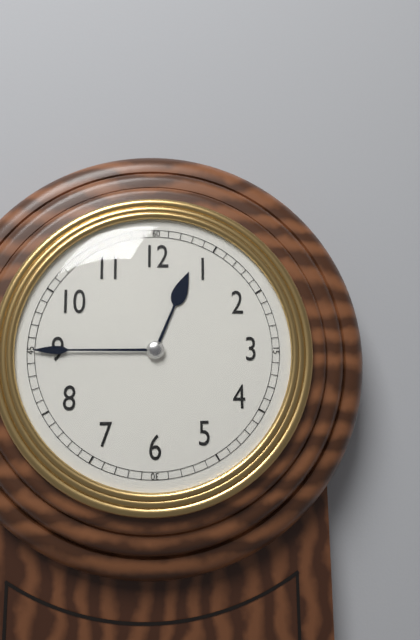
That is 12 h 45 min
